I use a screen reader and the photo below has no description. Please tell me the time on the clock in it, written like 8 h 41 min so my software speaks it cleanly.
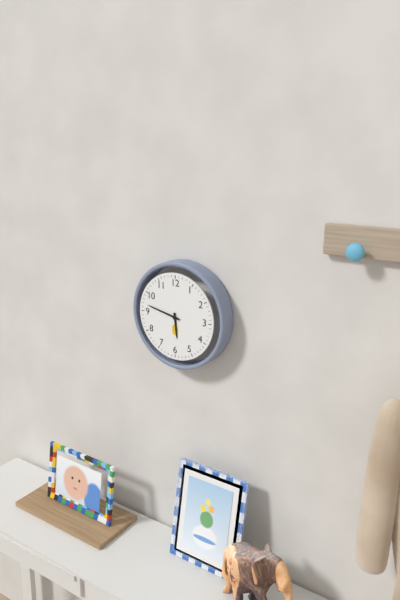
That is 5 h 47 min
